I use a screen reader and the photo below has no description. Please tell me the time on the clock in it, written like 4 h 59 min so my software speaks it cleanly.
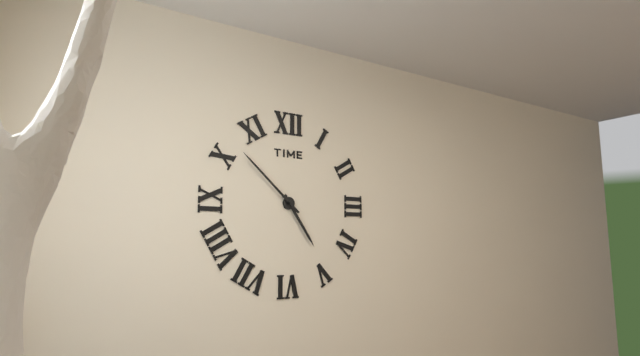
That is 4 h 52 min
